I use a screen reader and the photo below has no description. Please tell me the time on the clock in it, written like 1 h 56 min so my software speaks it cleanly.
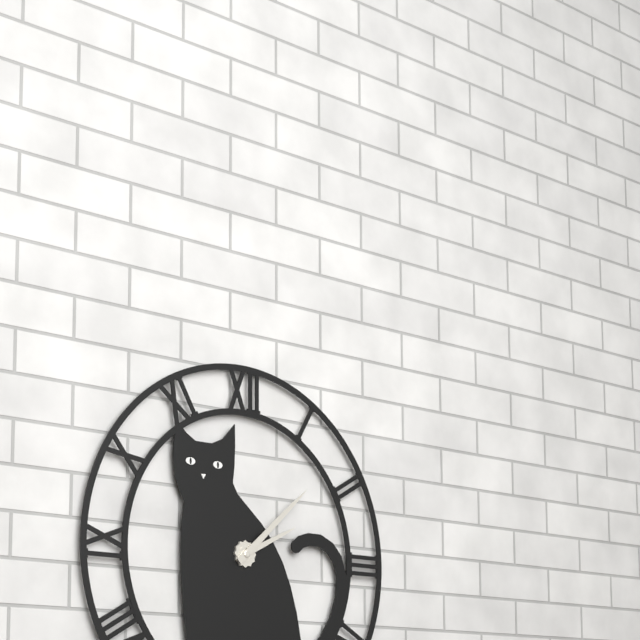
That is 2 h 08 min
